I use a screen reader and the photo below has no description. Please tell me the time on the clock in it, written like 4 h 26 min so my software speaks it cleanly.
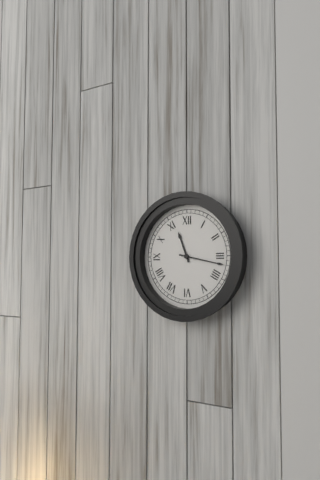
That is 11 h 17 min
